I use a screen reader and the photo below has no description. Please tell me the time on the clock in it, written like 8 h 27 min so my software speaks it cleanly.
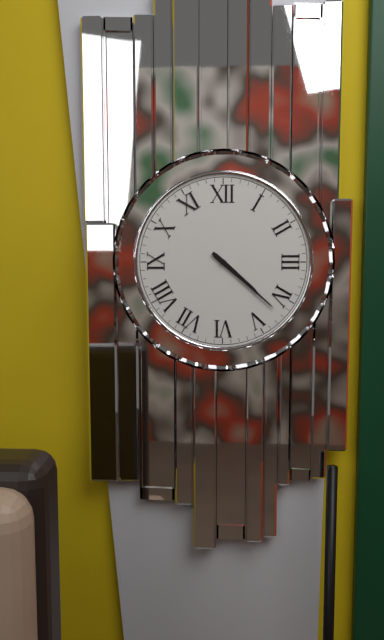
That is 4 h 22 min
